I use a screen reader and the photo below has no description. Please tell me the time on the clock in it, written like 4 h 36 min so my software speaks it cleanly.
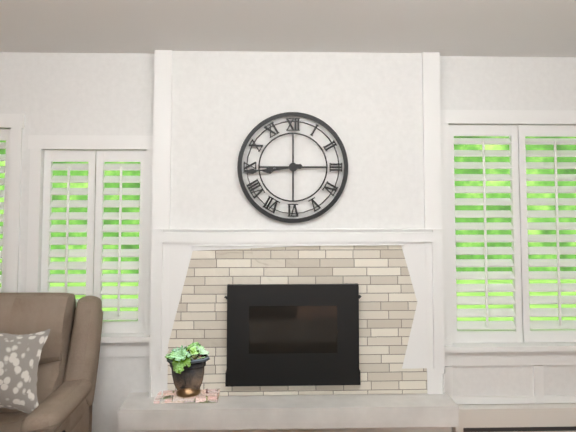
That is 8 h 44 min
